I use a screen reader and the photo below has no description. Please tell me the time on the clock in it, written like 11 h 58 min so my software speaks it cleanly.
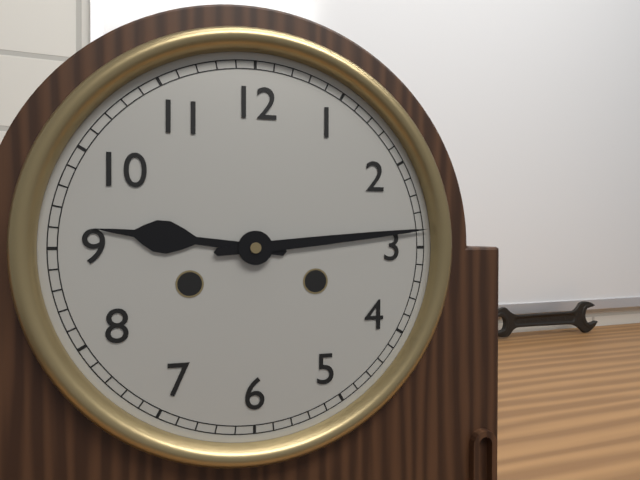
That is 9 h 14 min
